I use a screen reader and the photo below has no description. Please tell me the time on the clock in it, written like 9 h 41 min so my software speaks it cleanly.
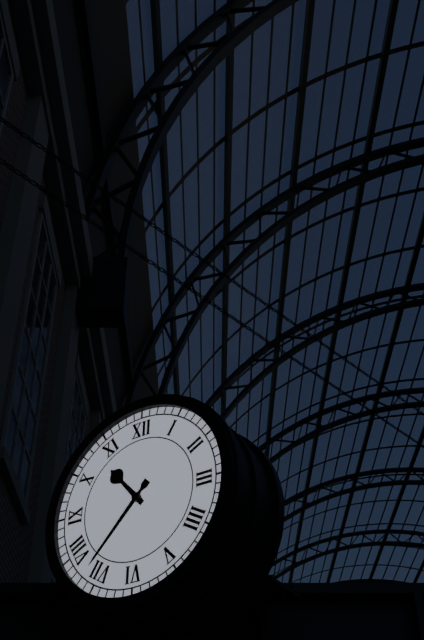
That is 10 h 37 min
